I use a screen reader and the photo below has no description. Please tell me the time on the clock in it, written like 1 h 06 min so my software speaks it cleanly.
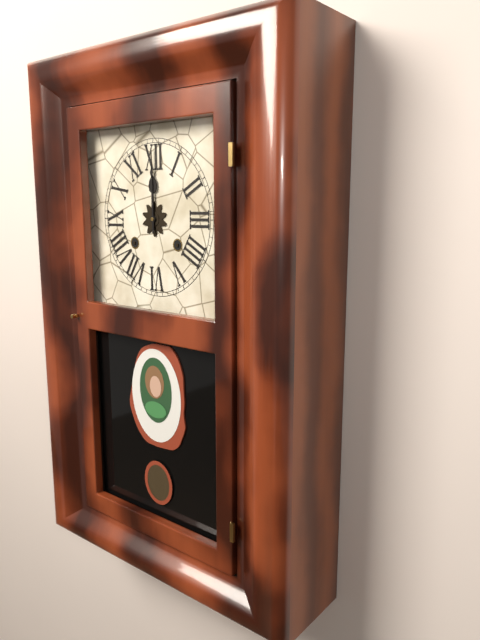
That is 12 h 00 min
